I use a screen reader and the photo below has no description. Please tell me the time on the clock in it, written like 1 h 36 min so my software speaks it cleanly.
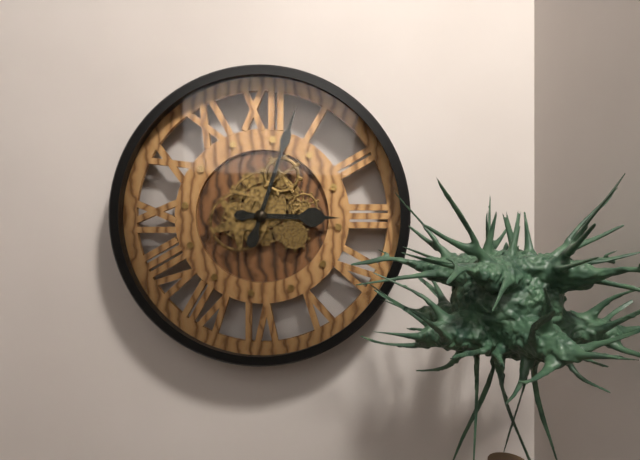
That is 3 h 03 min
